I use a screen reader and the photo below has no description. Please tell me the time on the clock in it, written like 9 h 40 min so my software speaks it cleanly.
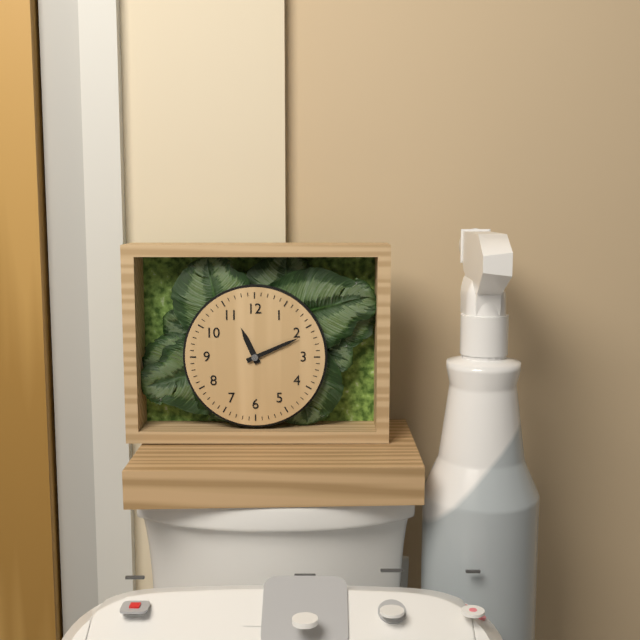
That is 11 h 11 min
